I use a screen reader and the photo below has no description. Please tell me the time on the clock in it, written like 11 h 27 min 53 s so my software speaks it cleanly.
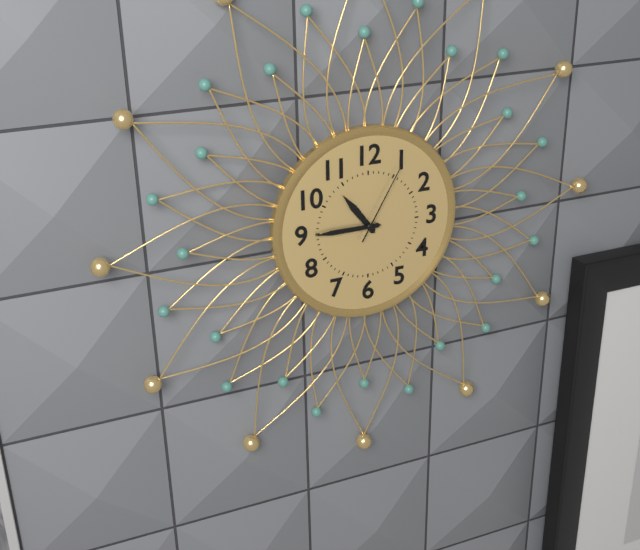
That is 10 h 45 min 05 s
